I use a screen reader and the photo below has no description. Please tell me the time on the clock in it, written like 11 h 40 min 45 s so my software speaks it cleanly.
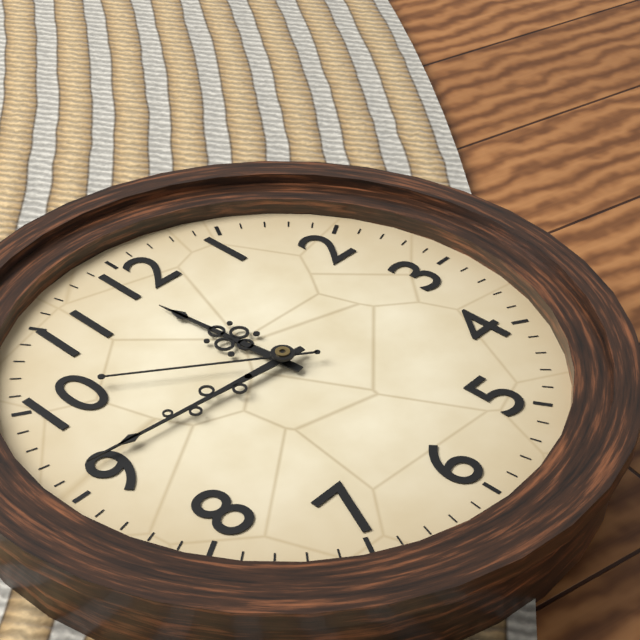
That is 11 h 46 min 51 s
